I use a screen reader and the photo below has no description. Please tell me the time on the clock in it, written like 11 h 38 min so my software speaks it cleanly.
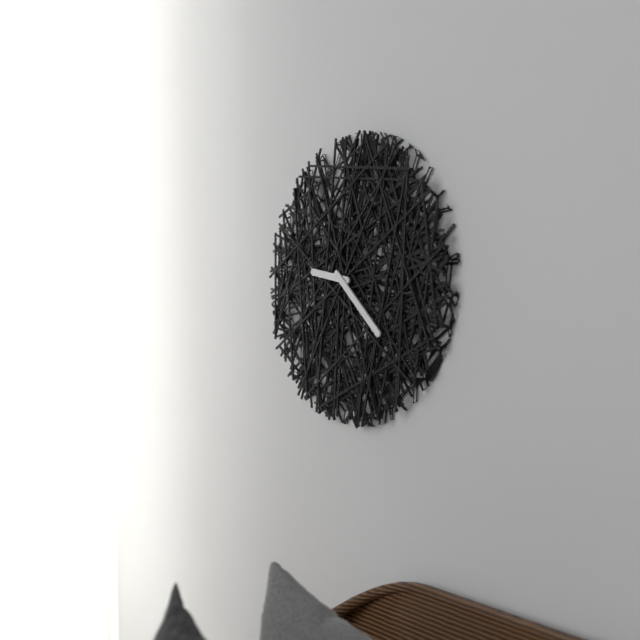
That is 9 h 22 min
